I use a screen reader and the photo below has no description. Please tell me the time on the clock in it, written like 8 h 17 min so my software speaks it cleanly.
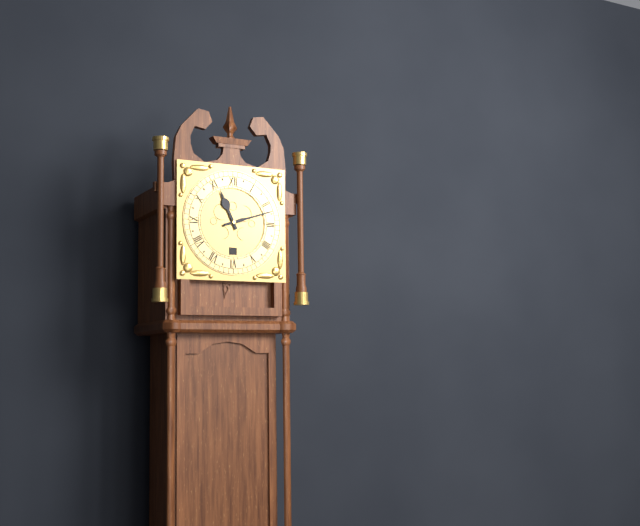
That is 11 h 12 min
